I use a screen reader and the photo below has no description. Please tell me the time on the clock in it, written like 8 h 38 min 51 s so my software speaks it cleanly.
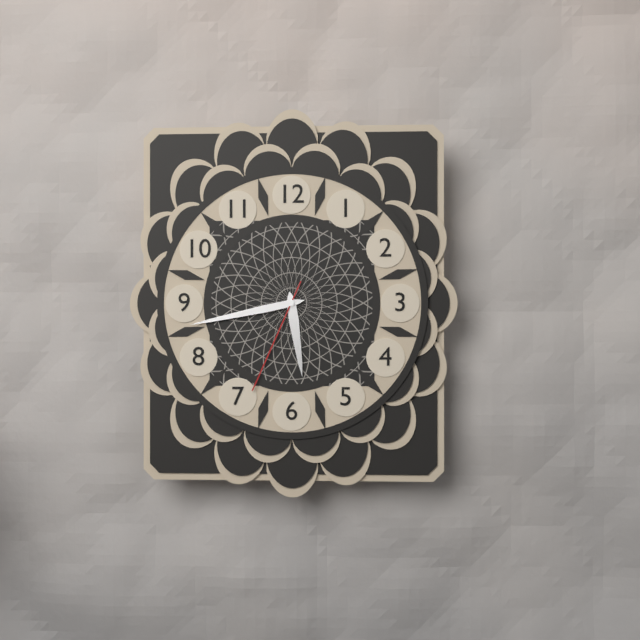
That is 5 h 43 min 34 s
